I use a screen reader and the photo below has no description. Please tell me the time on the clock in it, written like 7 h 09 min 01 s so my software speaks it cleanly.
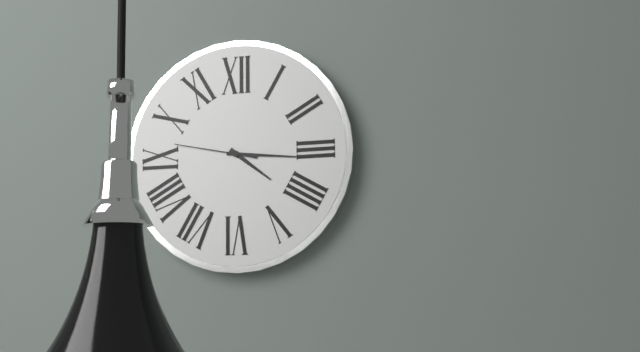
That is 4 h 16 min 47 s
